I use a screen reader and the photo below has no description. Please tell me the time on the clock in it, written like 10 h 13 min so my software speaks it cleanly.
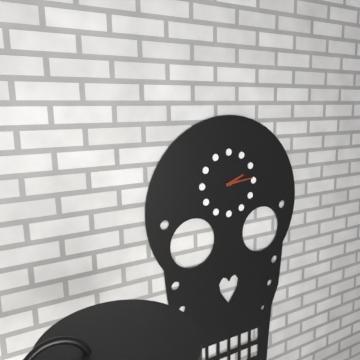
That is 2 h 14 min
